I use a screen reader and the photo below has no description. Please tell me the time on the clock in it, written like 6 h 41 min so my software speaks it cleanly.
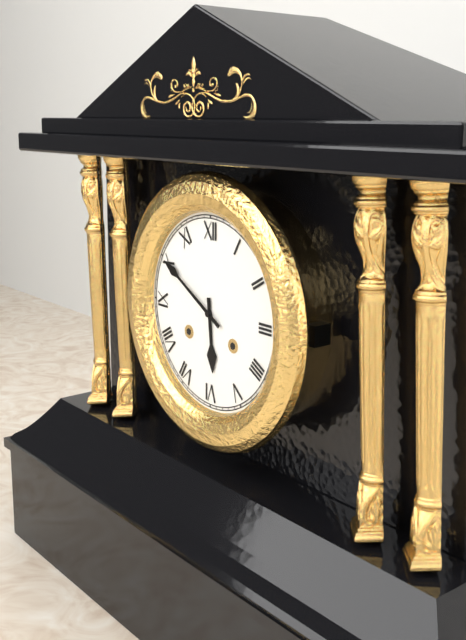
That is 5 h 50 min
